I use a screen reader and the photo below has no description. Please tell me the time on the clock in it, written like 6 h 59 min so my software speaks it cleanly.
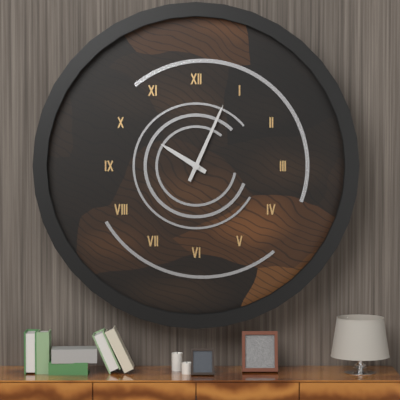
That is 10 h 04 min
